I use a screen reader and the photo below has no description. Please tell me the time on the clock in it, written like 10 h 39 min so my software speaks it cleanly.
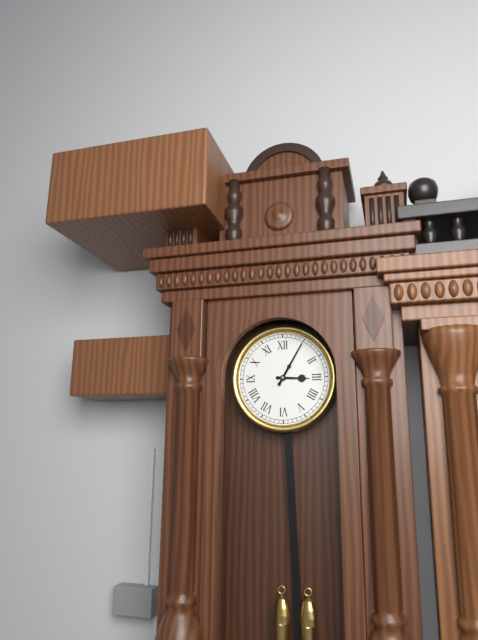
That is 3 h 05 min
